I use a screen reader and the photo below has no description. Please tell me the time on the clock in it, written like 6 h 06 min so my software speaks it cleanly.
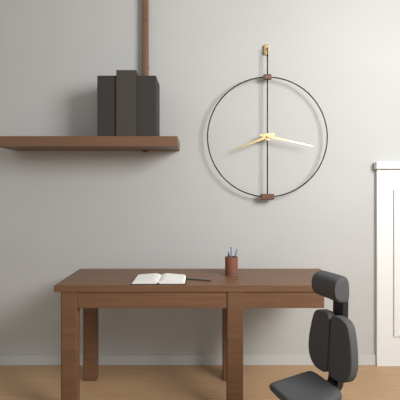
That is 8 h 17 min
